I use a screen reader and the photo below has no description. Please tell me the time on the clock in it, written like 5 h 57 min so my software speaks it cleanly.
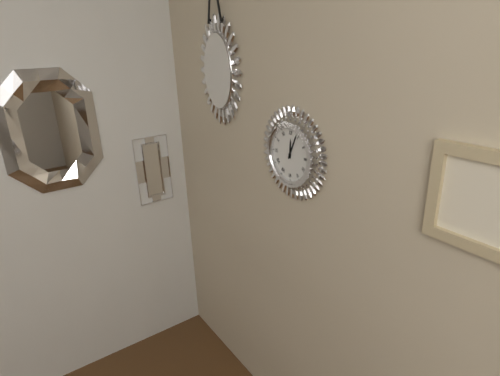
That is 12 h 04 min
